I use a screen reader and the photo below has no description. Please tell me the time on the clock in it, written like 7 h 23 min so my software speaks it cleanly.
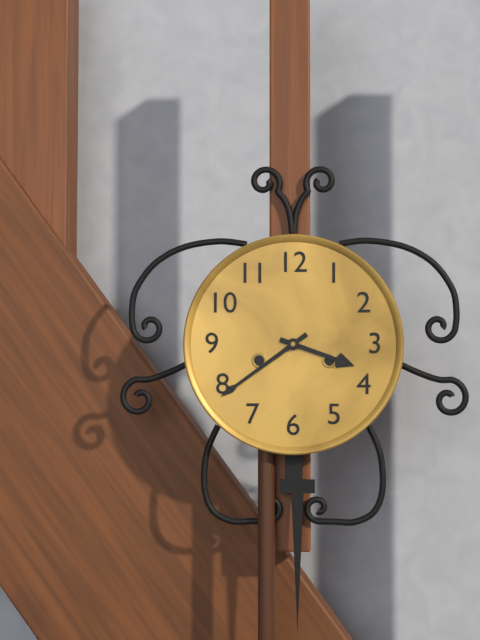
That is 3 h 39 min
